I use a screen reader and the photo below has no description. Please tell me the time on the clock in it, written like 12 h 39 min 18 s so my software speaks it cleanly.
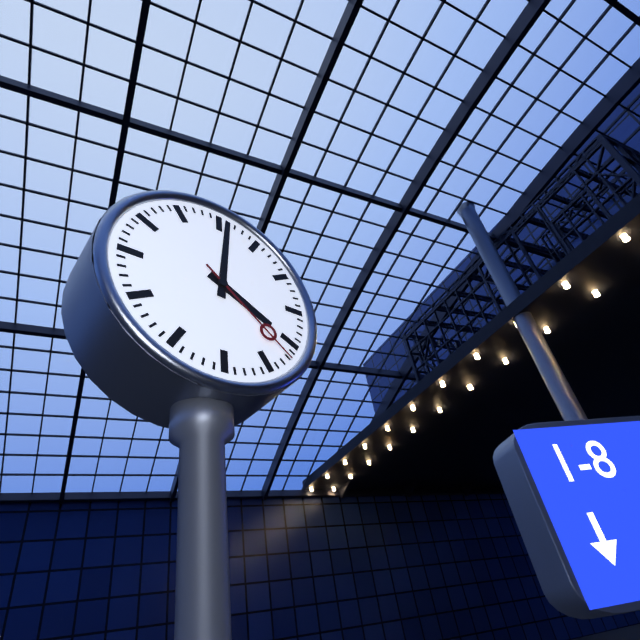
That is 4 h 01 min 22 s
